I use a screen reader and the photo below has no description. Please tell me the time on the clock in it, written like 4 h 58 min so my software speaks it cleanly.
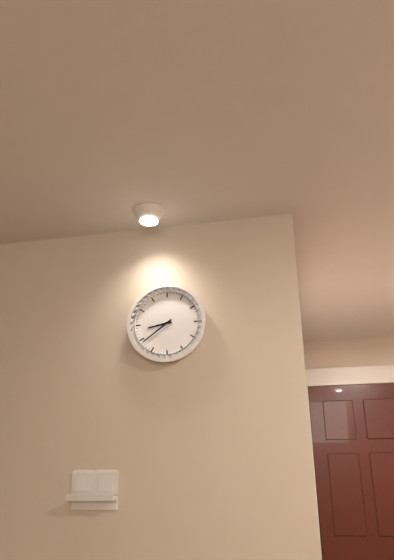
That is 8 h 39 min
